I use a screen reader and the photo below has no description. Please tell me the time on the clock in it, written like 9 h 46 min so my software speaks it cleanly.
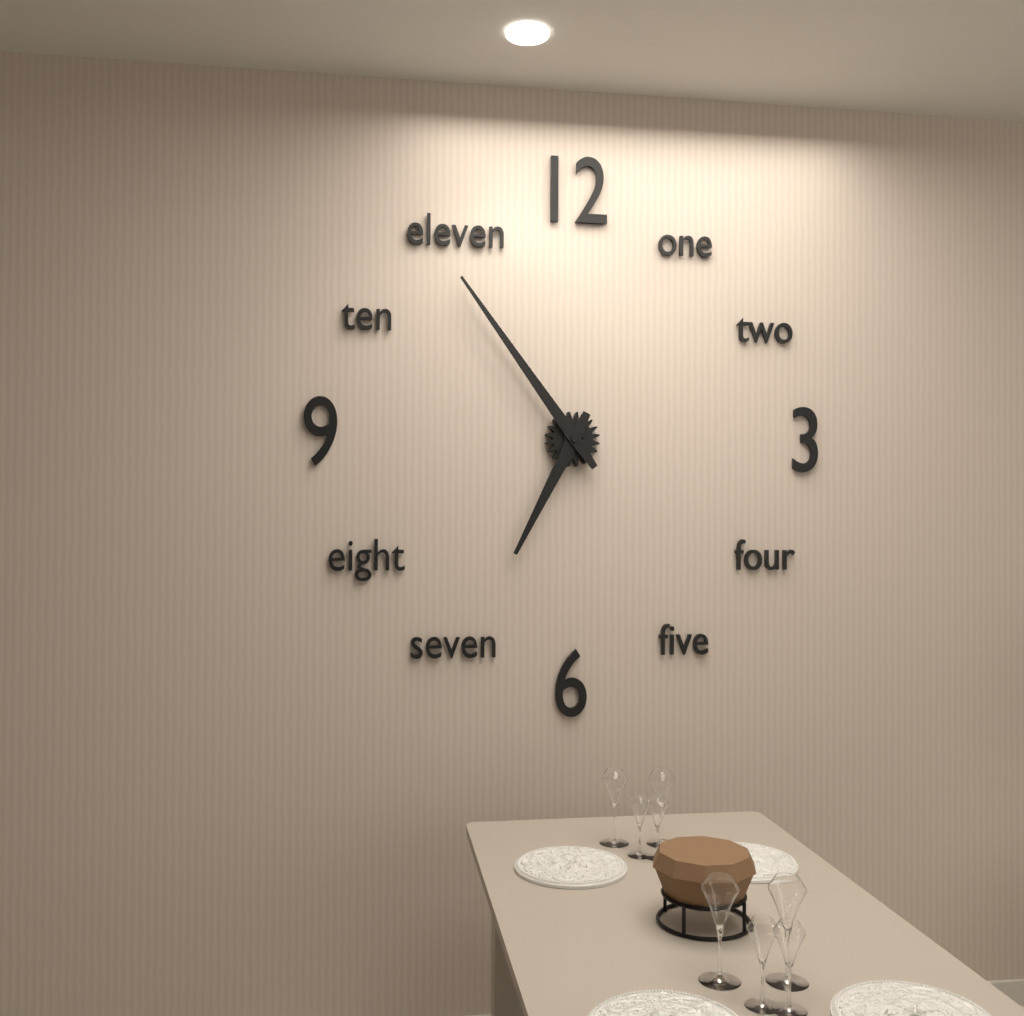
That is 6 h 54 min
